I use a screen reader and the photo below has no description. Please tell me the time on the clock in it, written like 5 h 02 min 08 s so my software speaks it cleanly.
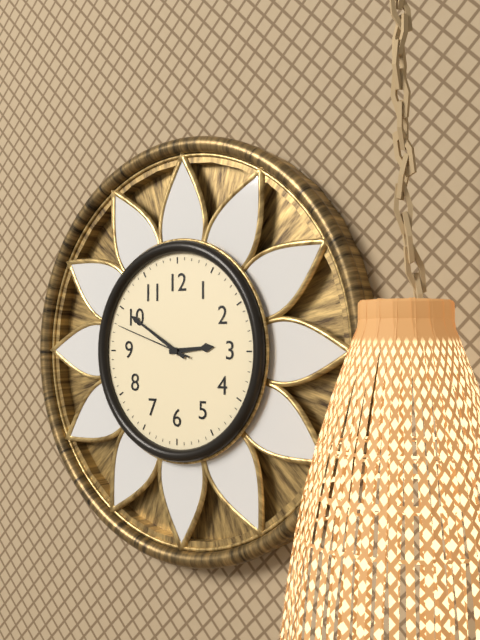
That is 2 h 50 min 48 s
